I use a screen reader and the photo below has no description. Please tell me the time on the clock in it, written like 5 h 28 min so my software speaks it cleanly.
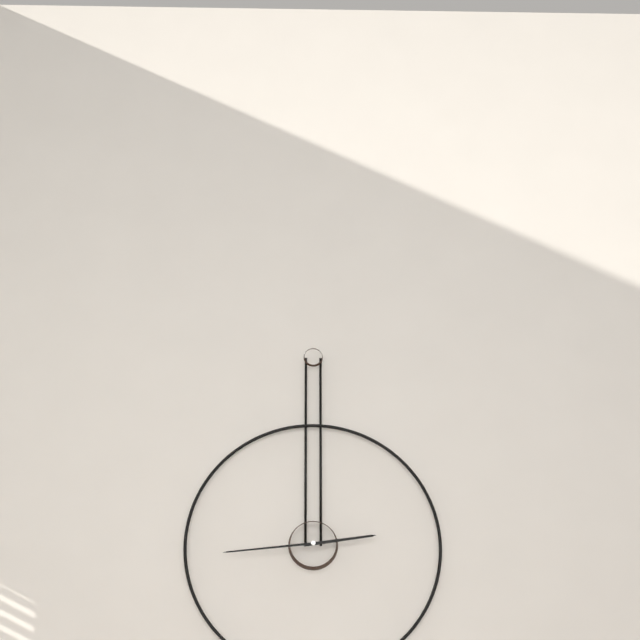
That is 2 h 44 min
